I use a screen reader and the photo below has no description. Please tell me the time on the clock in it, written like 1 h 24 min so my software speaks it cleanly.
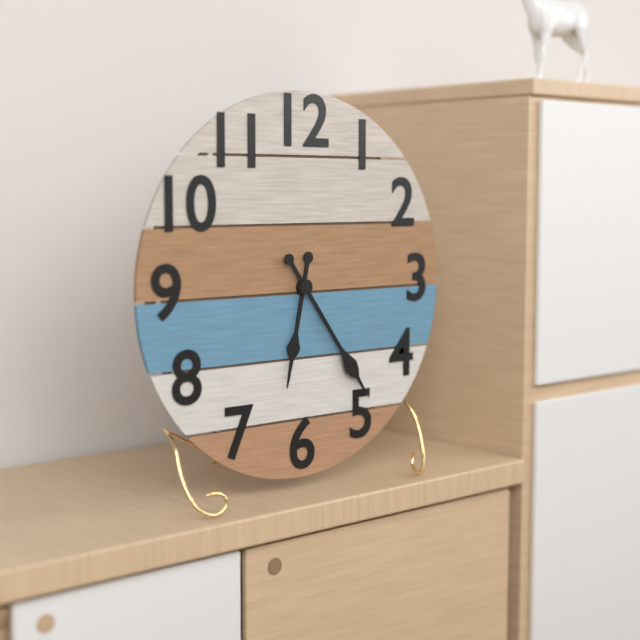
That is 6 h 24 min
